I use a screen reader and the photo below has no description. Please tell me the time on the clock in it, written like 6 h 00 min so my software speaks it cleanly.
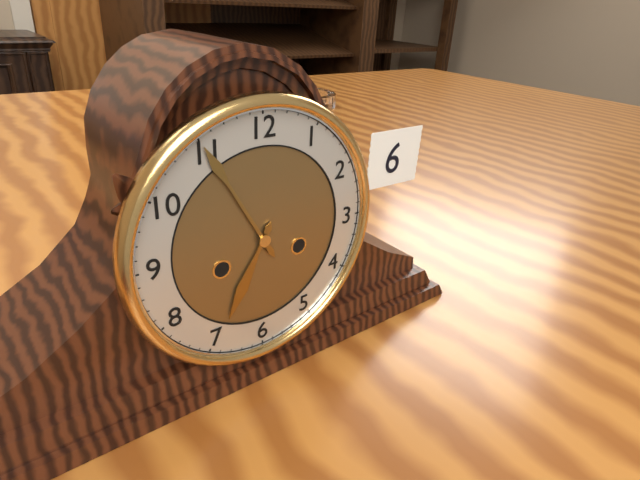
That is 6 h 55 min
